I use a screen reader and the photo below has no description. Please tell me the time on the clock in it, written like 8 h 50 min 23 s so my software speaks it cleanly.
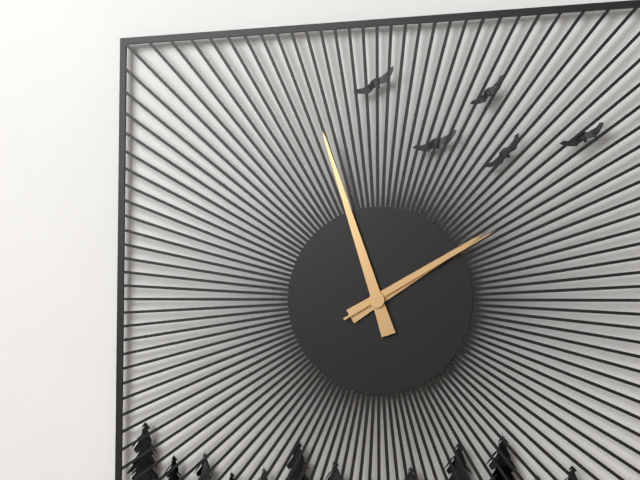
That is 1 h 57 min 10 s
